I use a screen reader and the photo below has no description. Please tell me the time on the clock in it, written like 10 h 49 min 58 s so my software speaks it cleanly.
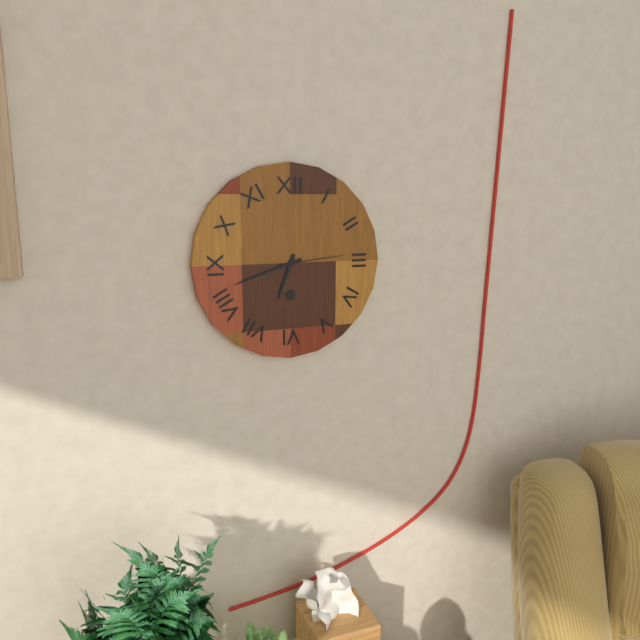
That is 6 h 42 min 14 s
